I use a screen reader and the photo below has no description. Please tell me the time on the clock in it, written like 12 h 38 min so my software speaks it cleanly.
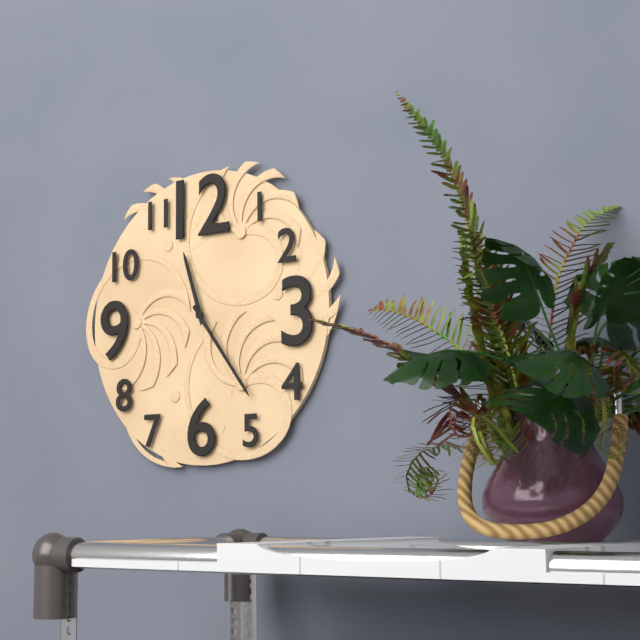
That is 11 h 24 min
